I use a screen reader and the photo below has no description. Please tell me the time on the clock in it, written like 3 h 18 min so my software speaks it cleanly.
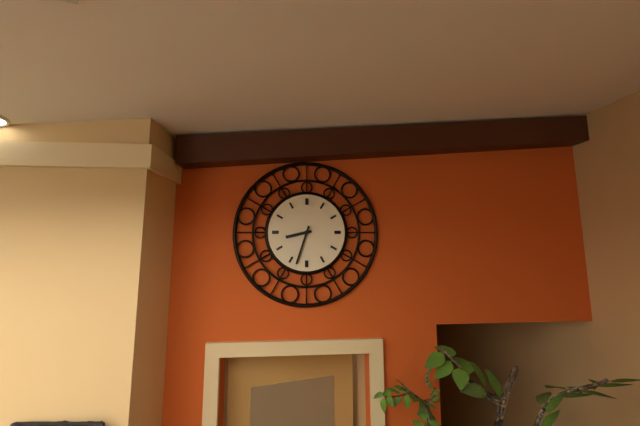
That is 8 h 33 min
